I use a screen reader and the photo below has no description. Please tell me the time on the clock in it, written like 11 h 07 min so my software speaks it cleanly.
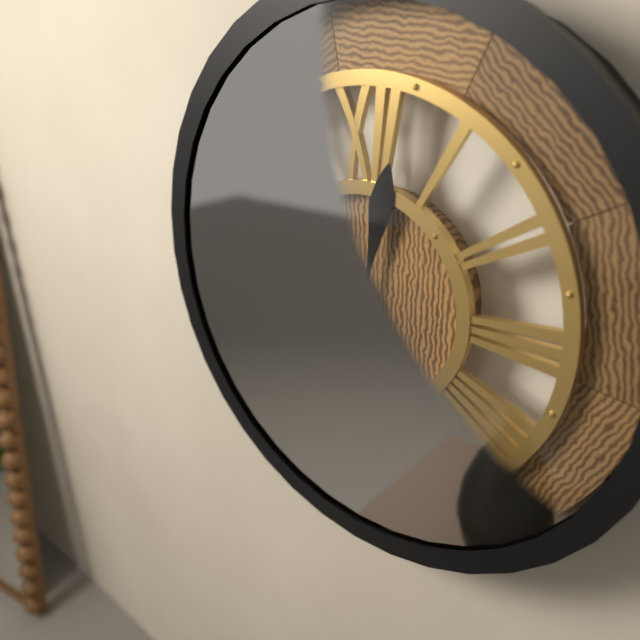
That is 12 h 24 min
